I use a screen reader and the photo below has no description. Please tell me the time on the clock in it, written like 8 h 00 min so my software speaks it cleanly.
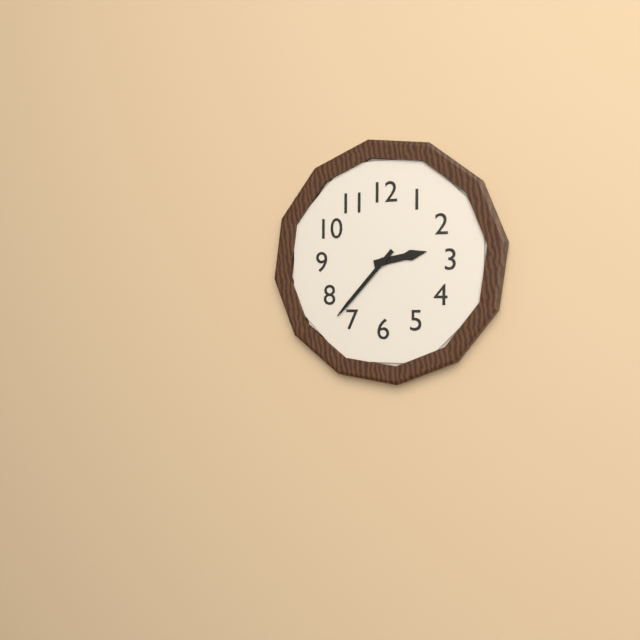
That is 2 h 37 min
